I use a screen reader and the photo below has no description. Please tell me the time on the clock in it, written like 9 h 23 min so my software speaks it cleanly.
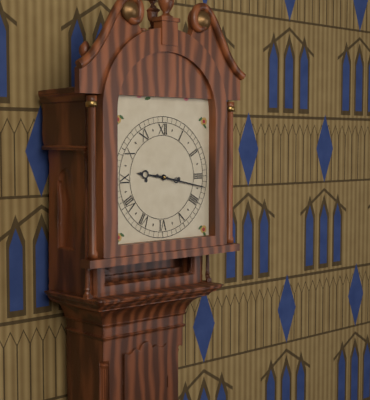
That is 9 h 17 min
